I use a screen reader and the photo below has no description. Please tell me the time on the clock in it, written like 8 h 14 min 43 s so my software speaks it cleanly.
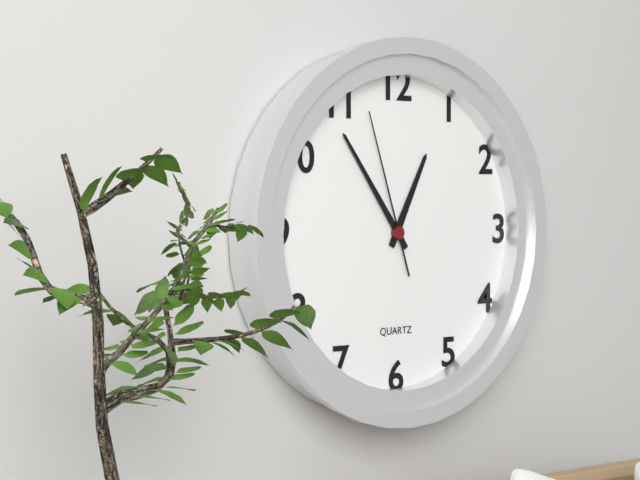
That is 12 h 54 min 57 s
